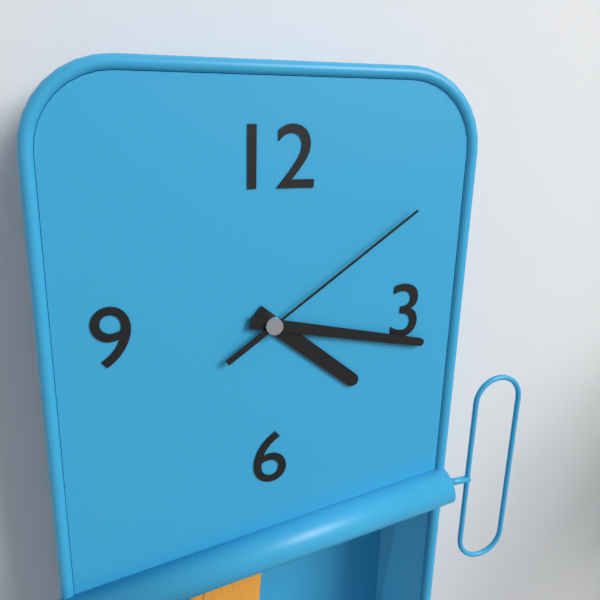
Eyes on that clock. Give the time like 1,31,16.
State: 4,17,09
